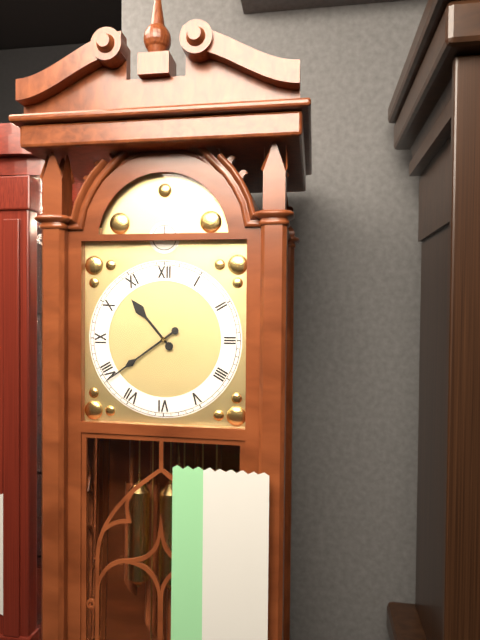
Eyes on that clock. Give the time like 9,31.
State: 10,39
